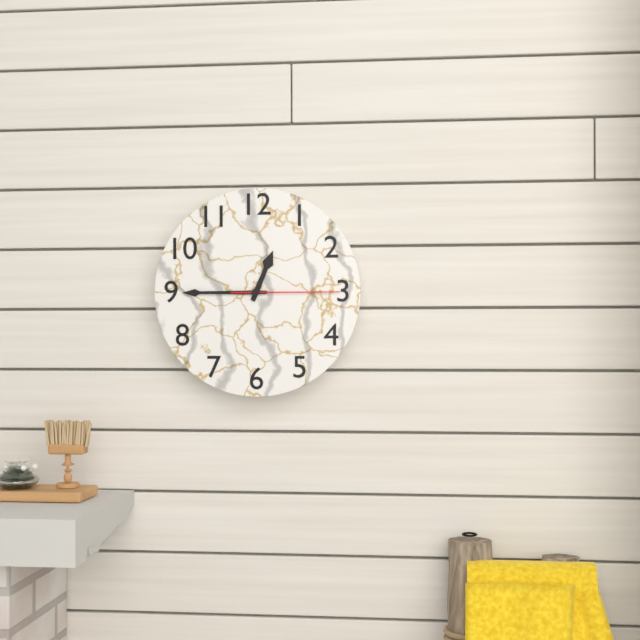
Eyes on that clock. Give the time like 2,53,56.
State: 12,45,15
